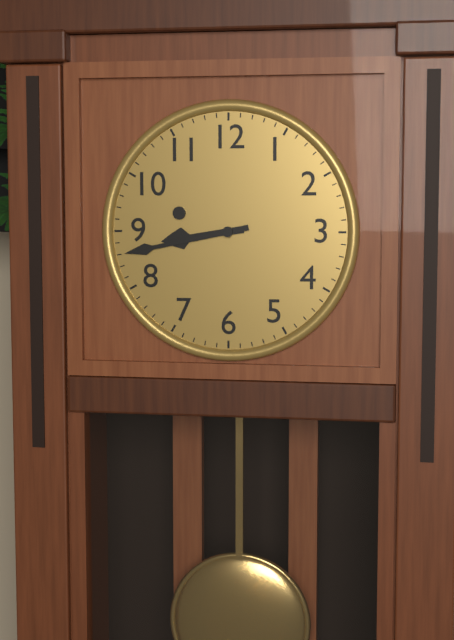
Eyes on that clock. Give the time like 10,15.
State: 8,43
